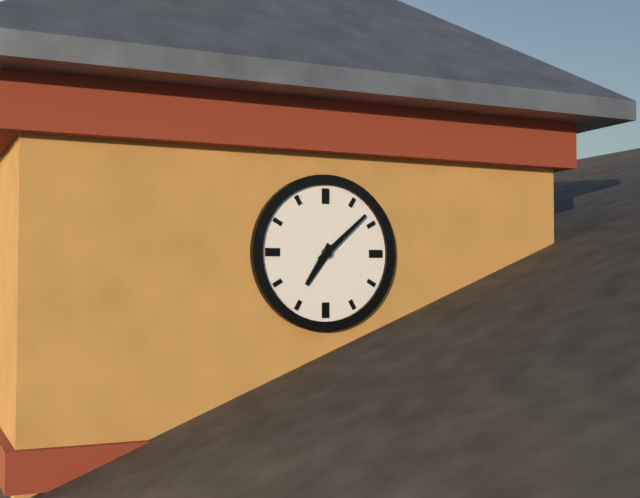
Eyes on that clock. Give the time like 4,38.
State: 7,08
